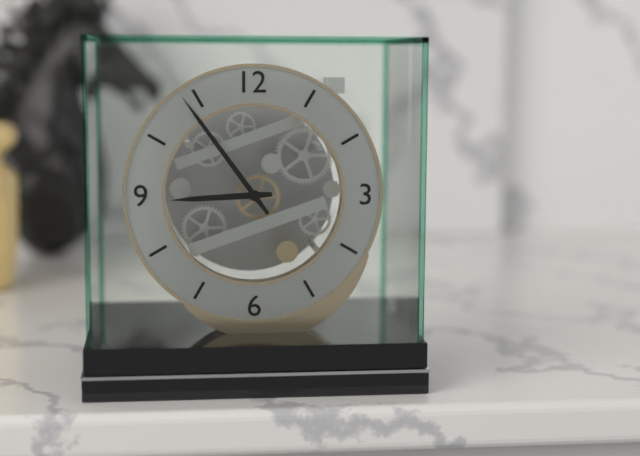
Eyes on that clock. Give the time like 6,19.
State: 8,54
